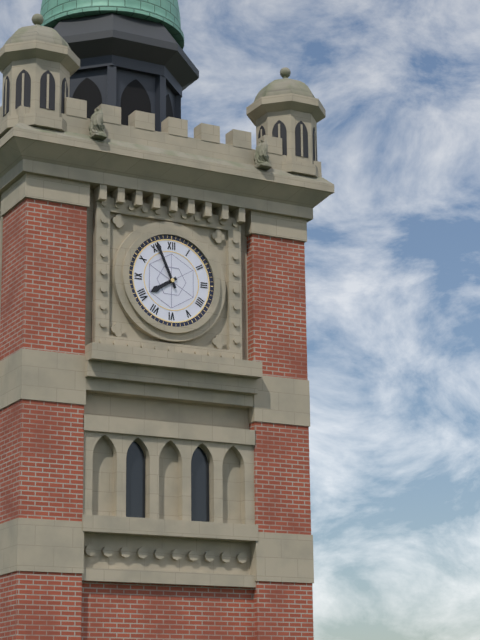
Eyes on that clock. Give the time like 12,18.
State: 7,56
